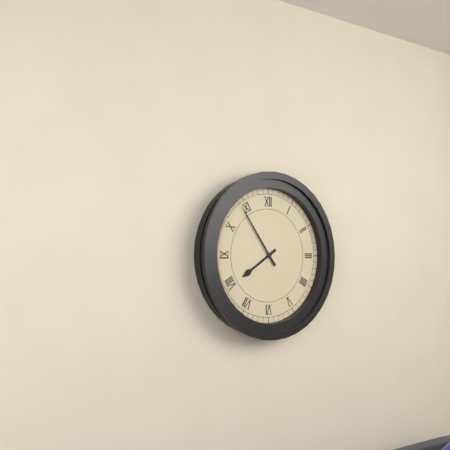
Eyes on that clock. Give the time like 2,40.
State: 7,54
